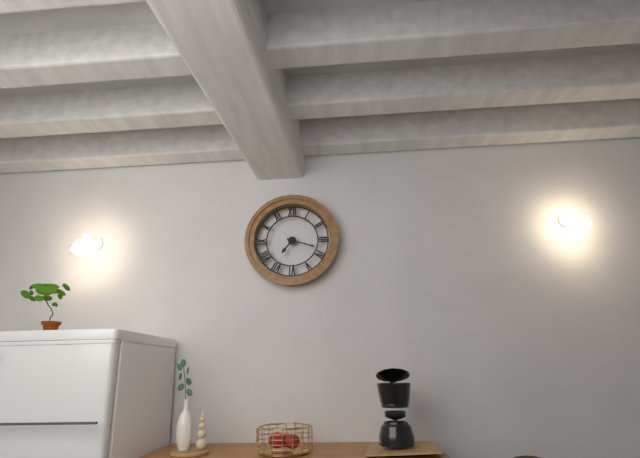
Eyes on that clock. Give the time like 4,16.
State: 7,18
